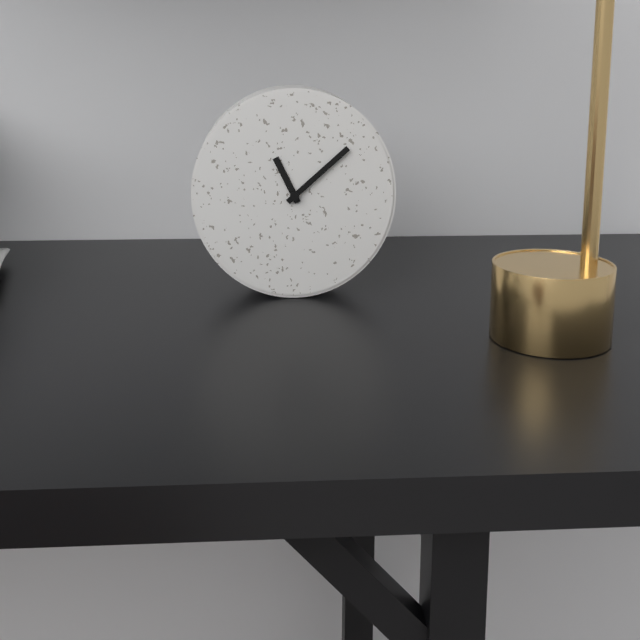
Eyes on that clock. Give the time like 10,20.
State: 11,08
